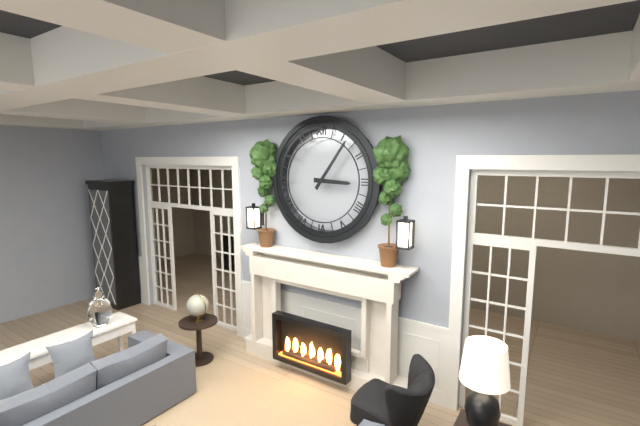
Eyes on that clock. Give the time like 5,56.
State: 3,06
